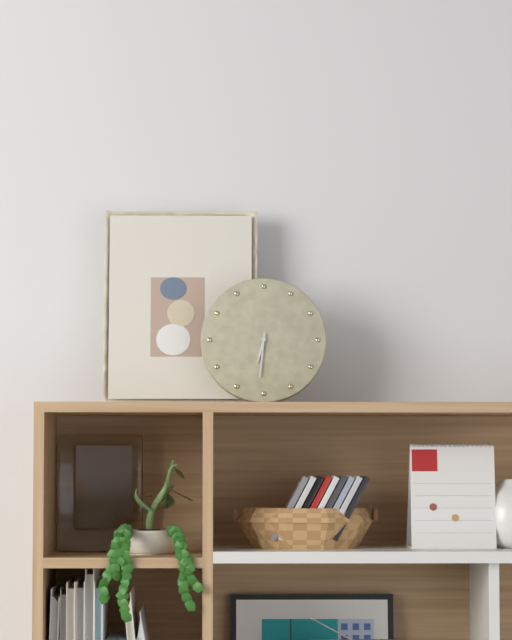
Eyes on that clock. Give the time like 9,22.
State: 6,31
